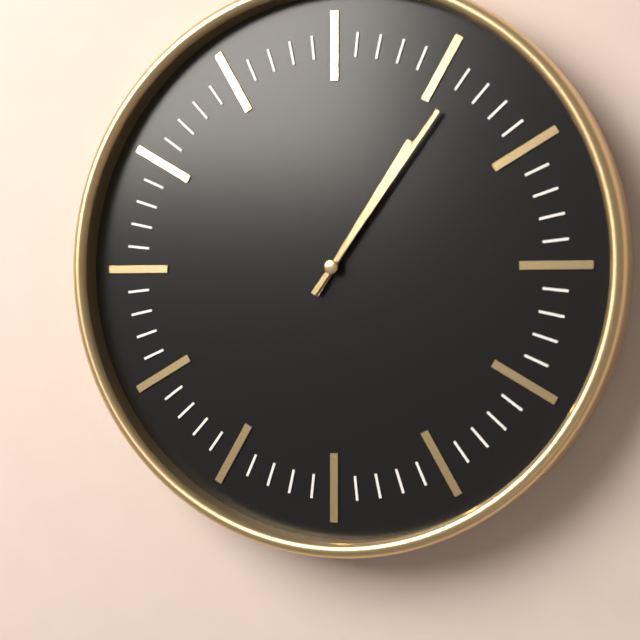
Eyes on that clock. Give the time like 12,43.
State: 1,06
